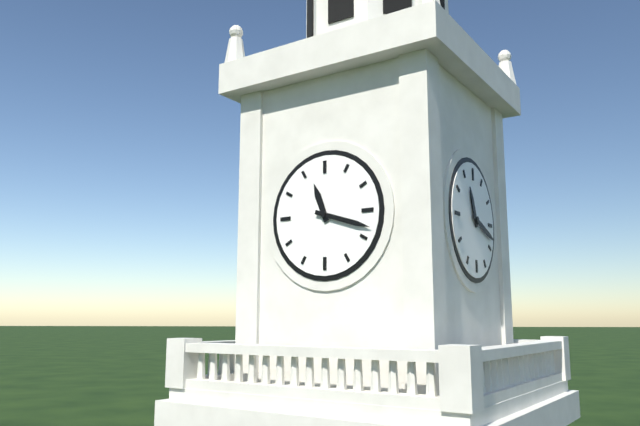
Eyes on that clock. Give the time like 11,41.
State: 11,18
